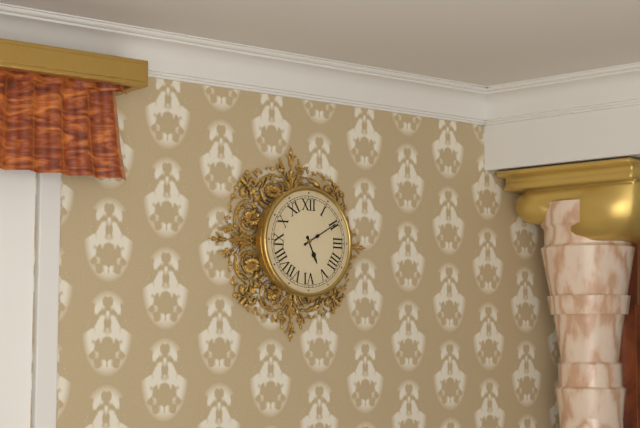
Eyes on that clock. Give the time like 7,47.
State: 5,10
